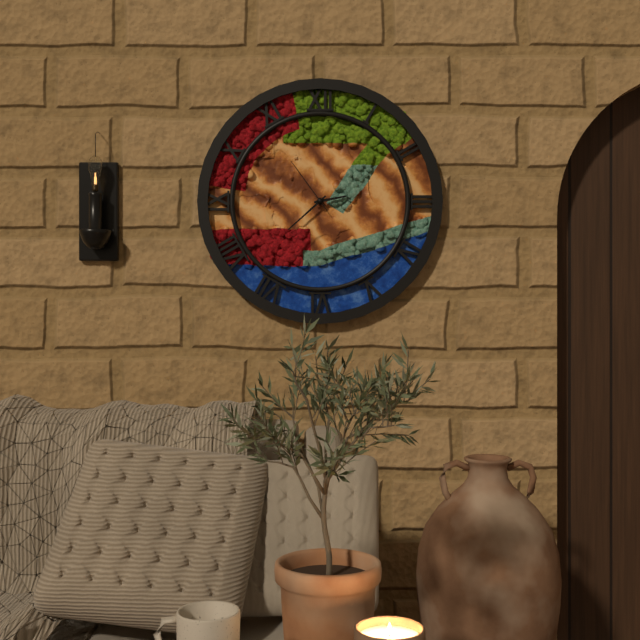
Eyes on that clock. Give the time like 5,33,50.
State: 2,38,54
